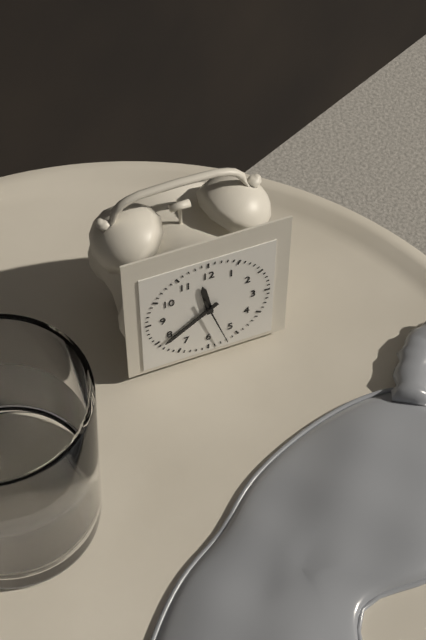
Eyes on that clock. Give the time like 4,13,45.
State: 11,39,27
